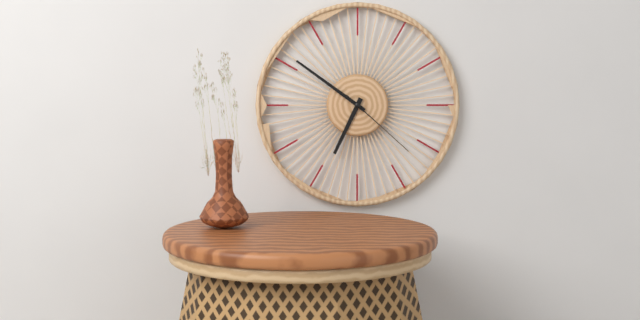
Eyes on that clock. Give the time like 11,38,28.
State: 6,51,22
